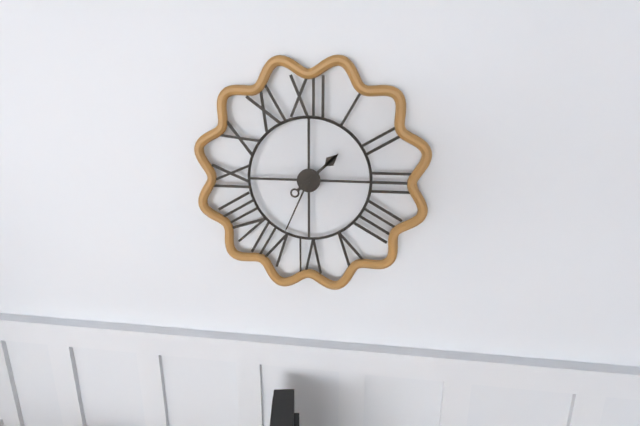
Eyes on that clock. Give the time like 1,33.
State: 1,34
